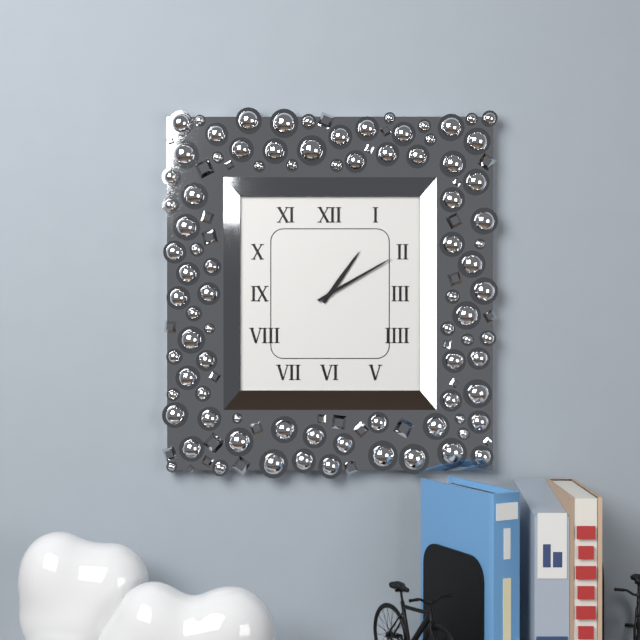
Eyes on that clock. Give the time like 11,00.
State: 1,10
